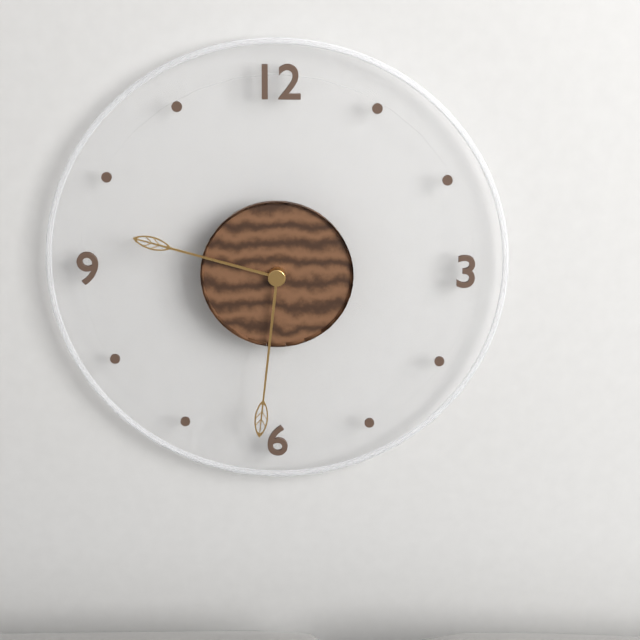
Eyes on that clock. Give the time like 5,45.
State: 9,31
